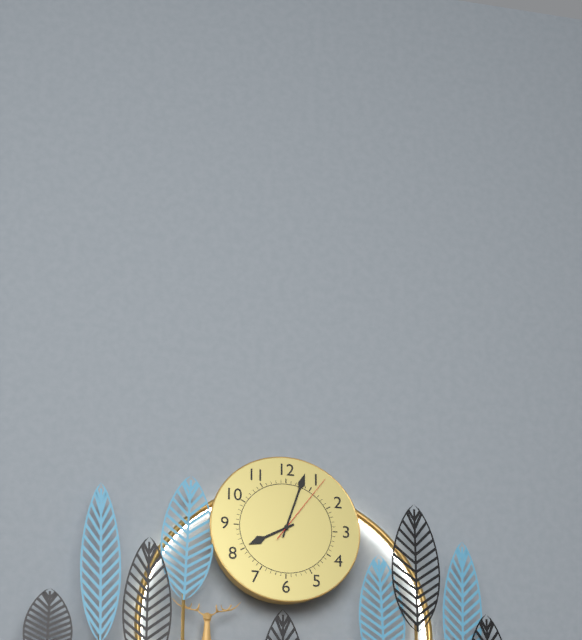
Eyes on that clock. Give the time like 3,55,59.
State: 8,03,06
